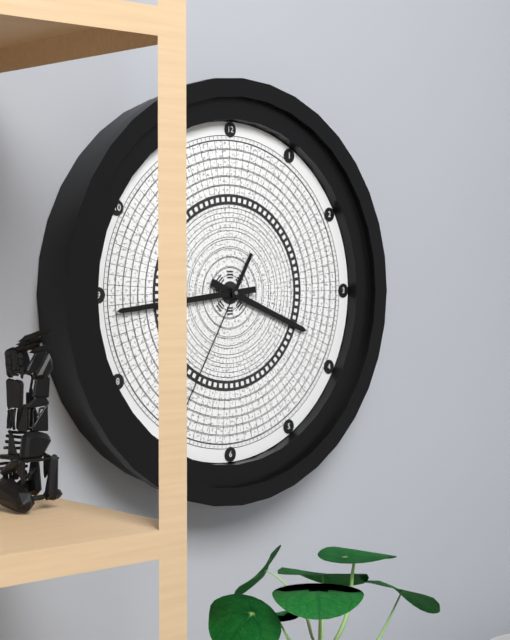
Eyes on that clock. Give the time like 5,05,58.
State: 3,44,35
